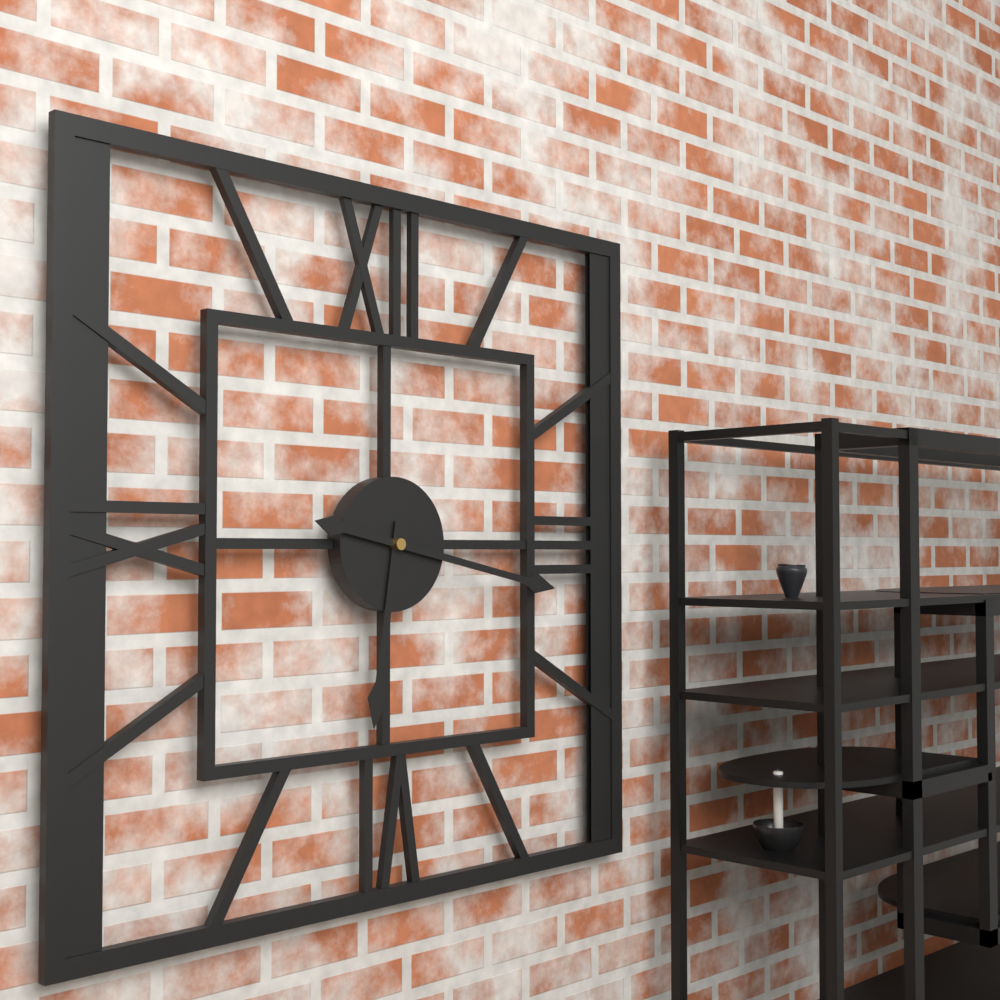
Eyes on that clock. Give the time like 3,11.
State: 6,17
